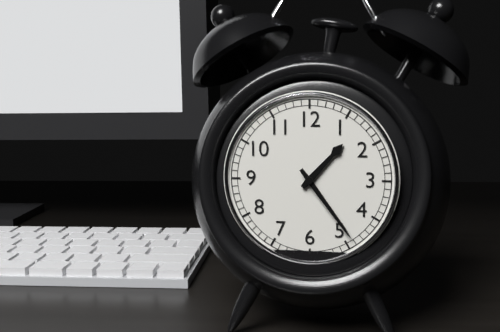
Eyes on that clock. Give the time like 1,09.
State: 1,24
